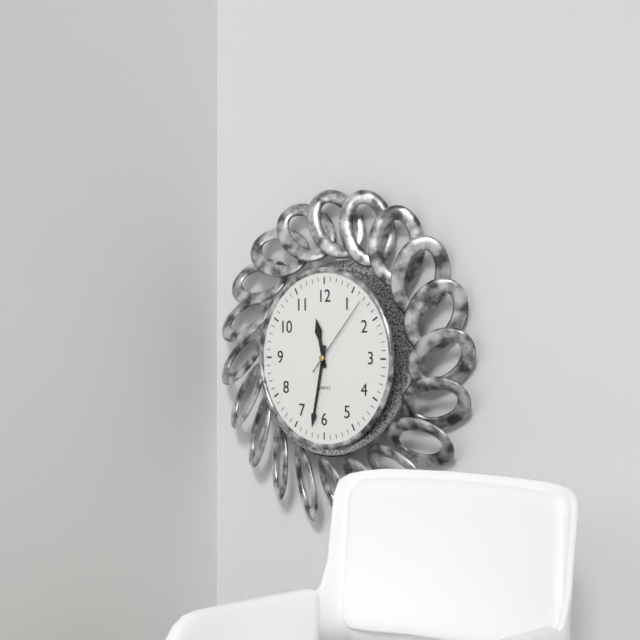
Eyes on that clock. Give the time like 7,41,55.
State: 11,32,07
